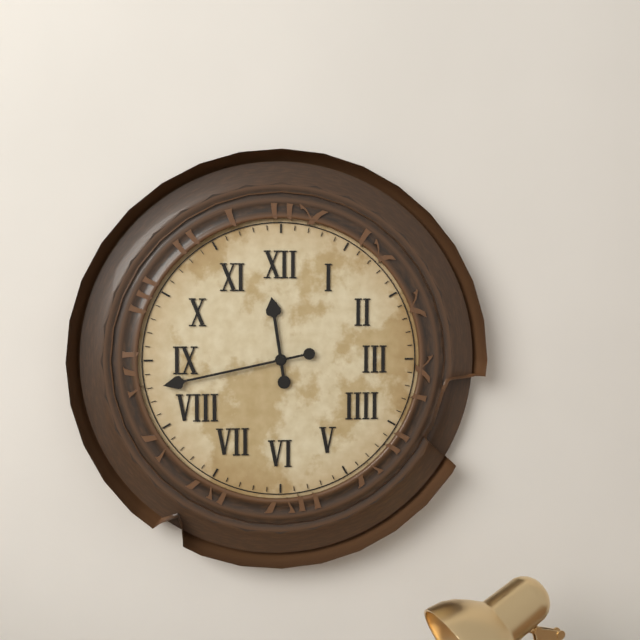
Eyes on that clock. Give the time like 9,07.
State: 11,43
